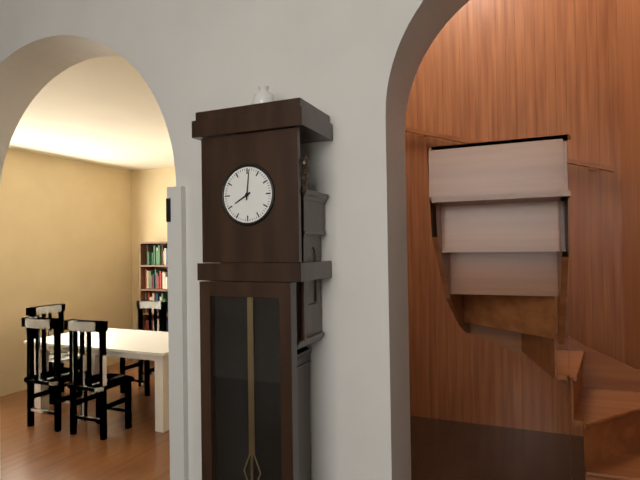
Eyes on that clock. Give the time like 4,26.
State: 8,01
